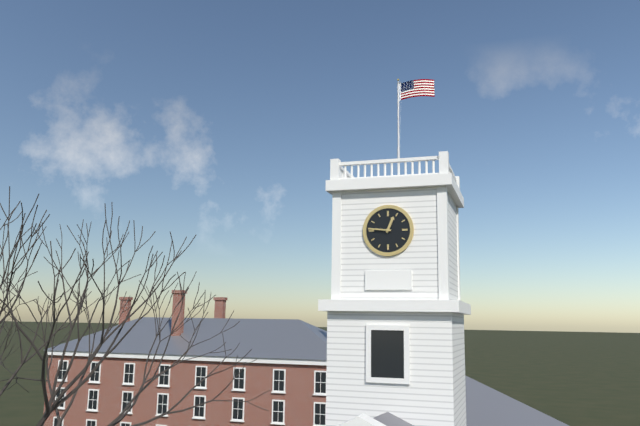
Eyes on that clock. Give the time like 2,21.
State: 12,46
